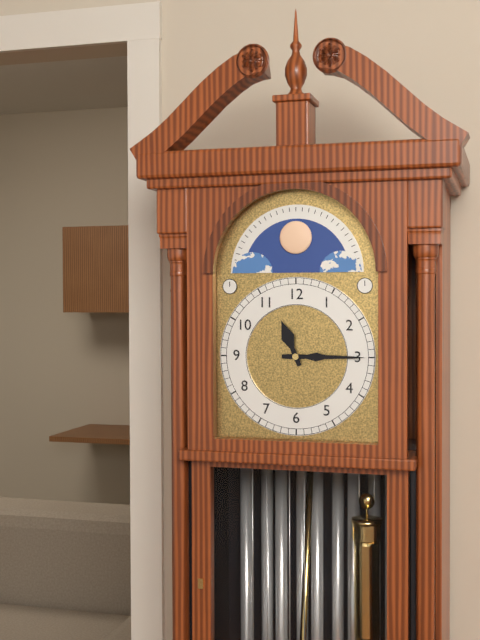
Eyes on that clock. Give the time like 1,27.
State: 11,15
